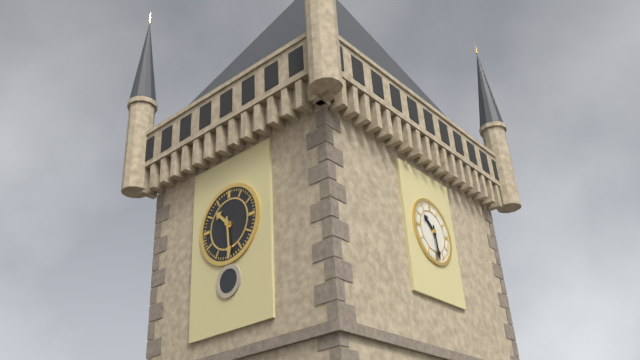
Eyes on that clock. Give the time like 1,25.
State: 10,29
